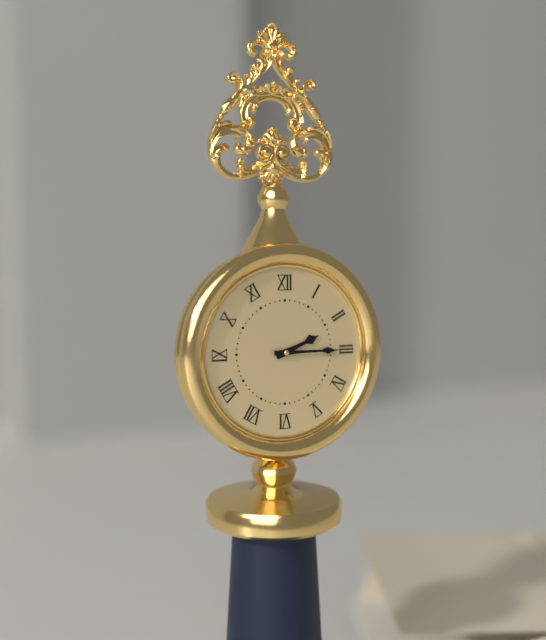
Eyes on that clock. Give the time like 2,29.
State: 2,15
